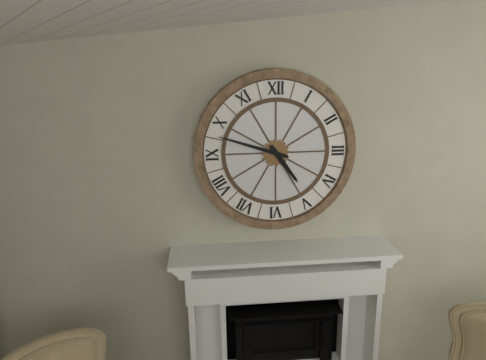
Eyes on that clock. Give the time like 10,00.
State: 4,48
